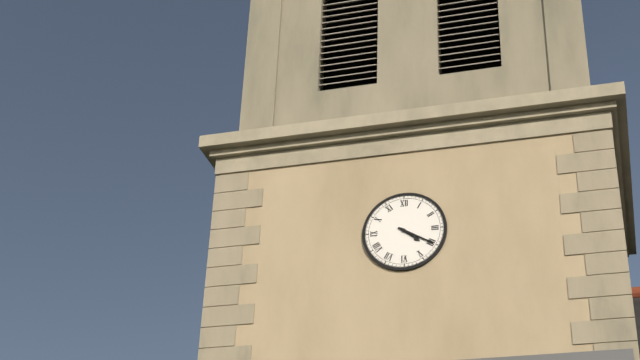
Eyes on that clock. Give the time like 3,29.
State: 4,20
